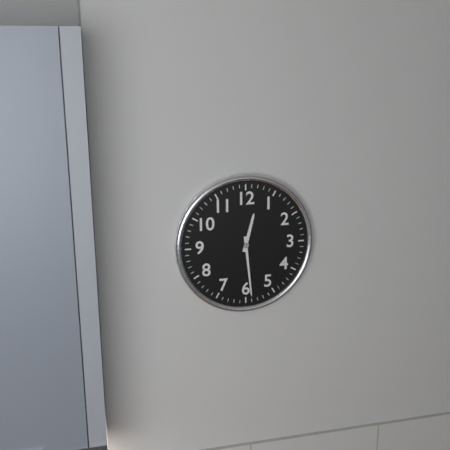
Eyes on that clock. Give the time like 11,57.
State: 12,29
